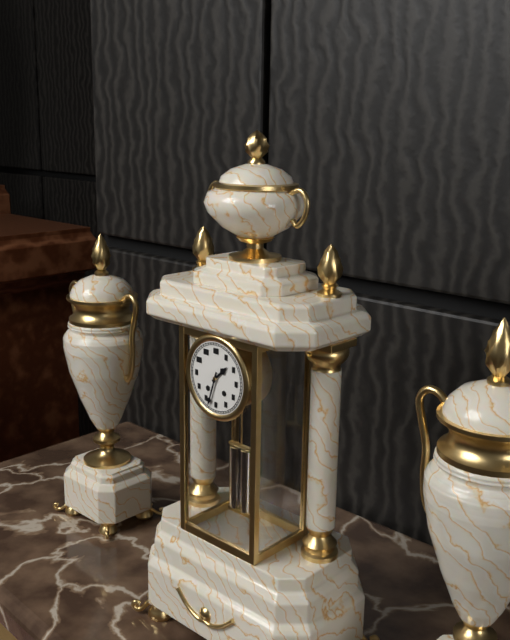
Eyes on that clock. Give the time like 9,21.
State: 1,33
